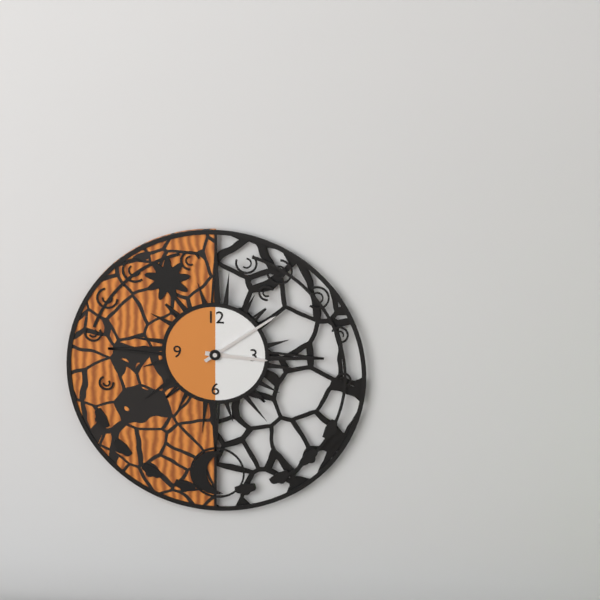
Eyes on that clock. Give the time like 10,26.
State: 3,09
